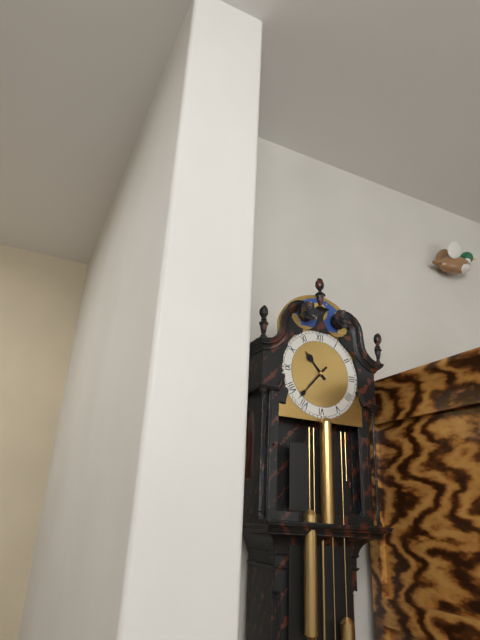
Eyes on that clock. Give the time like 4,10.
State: 10,37
